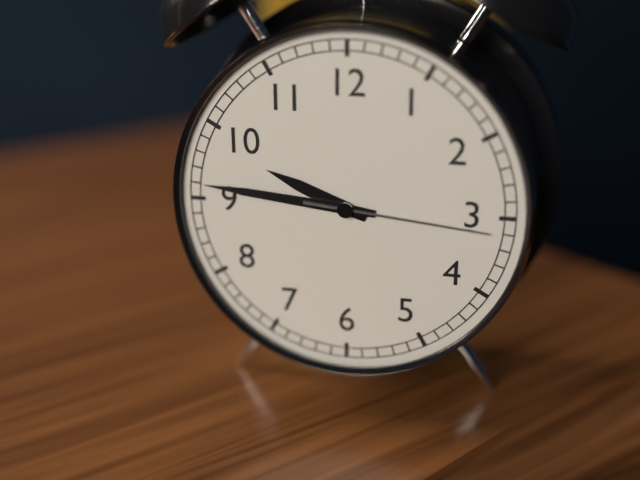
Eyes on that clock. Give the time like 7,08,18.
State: 9,46,16
